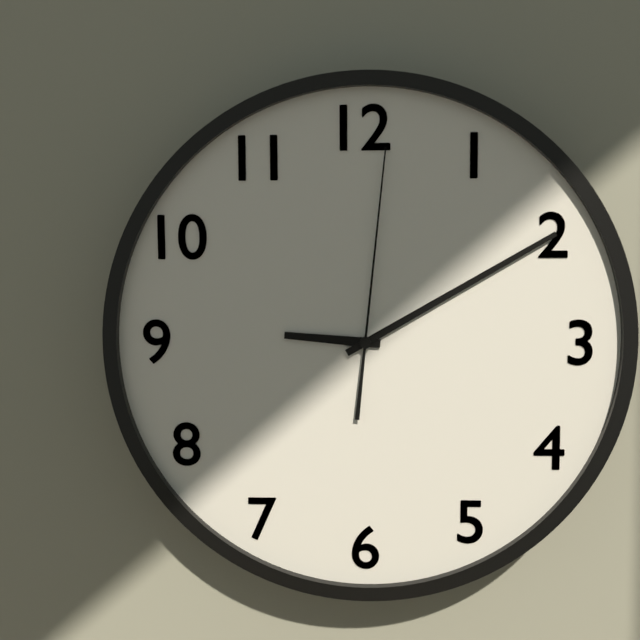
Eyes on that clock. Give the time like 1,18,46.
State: 9,10,01
